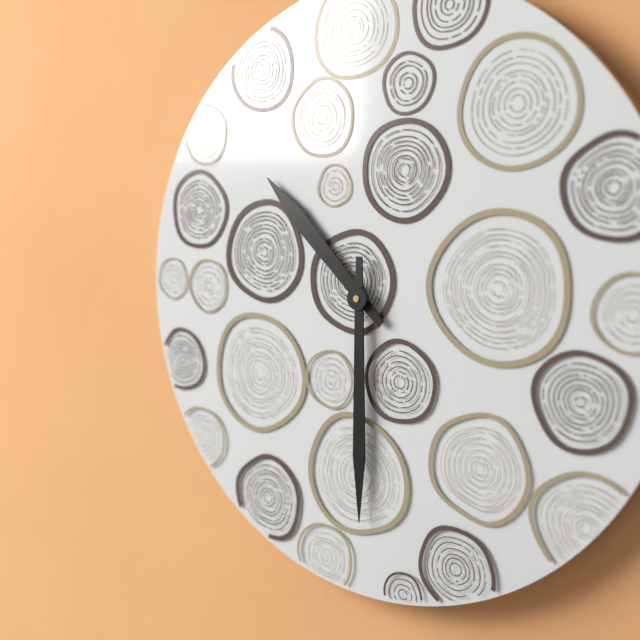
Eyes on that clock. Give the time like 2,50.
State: 10,30
